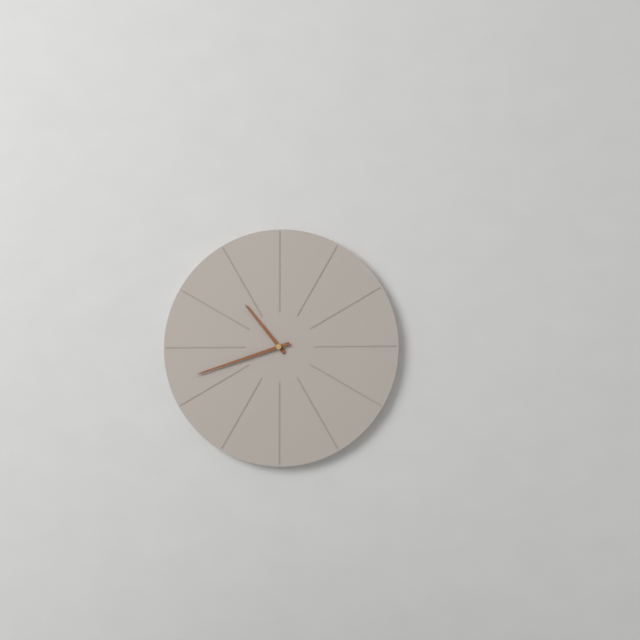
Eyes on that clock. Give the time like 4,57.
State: 10,42
